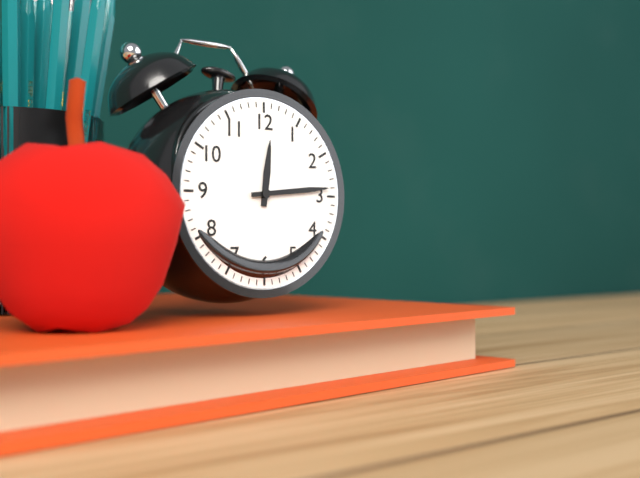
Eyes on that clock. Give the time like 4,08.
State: 12,14
